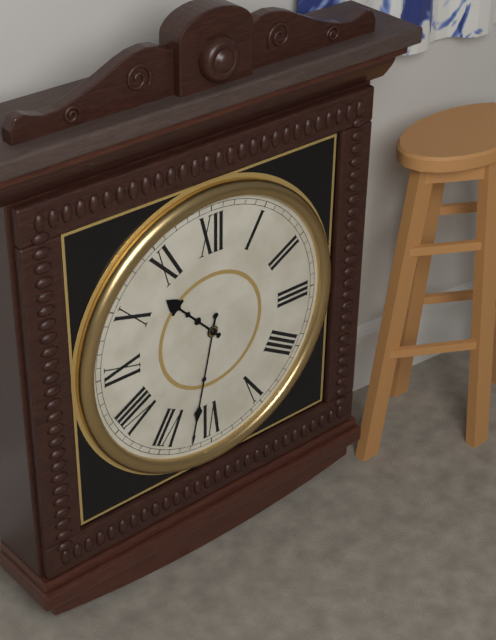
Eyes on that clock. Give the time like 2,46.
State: 10,32
